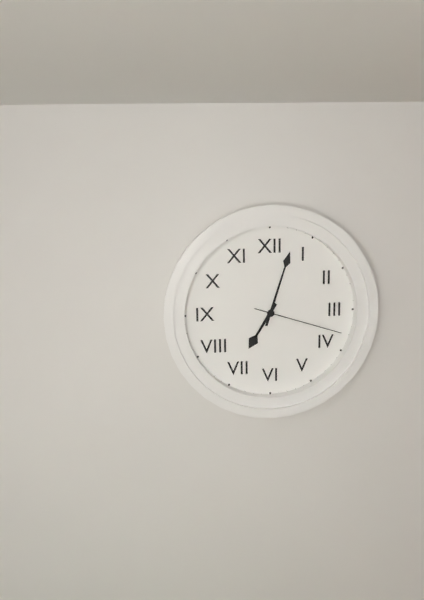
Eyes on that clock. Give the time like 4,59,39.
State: 7,03,18
